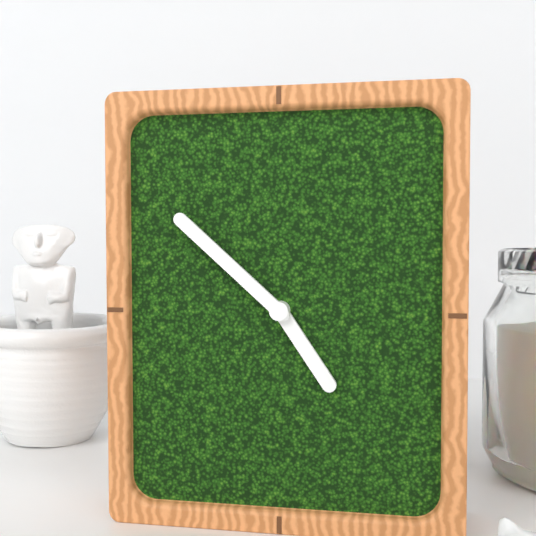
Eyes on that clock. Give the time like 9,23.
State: 4,52
